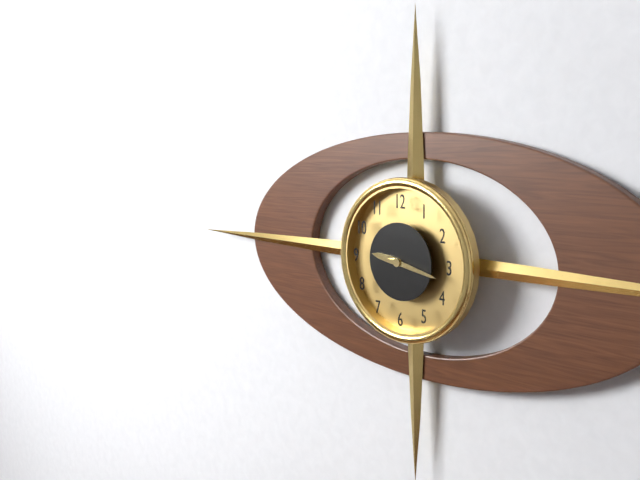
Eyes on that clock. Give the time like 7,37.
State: 9,17
